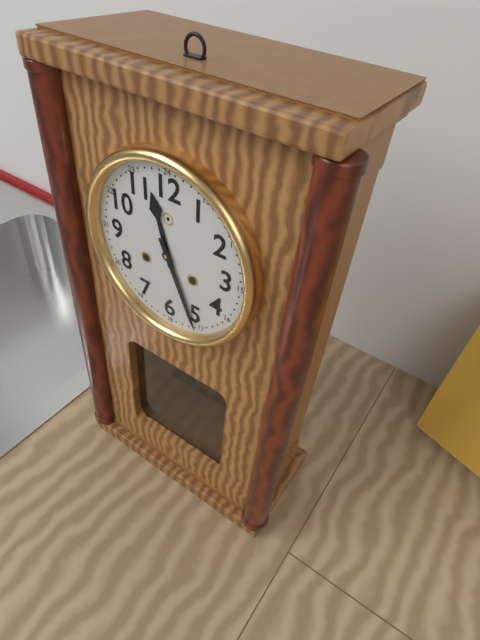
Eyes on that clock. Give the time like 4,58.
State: 11,26
